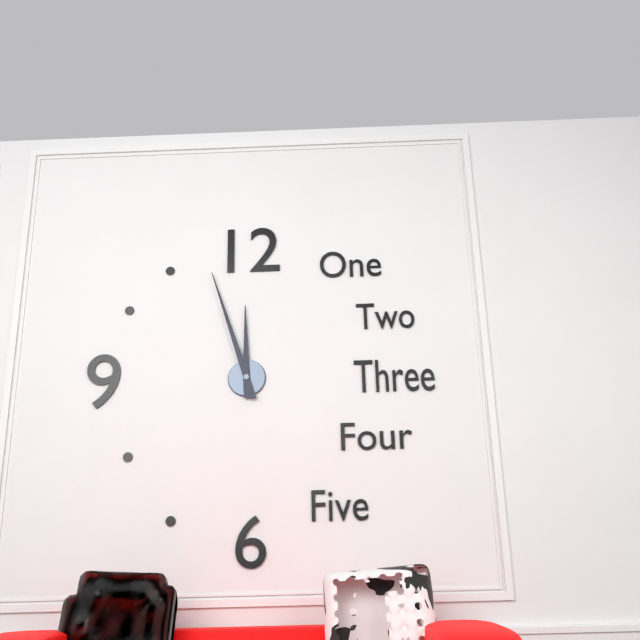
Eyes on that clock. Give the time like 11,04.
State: 11,57
